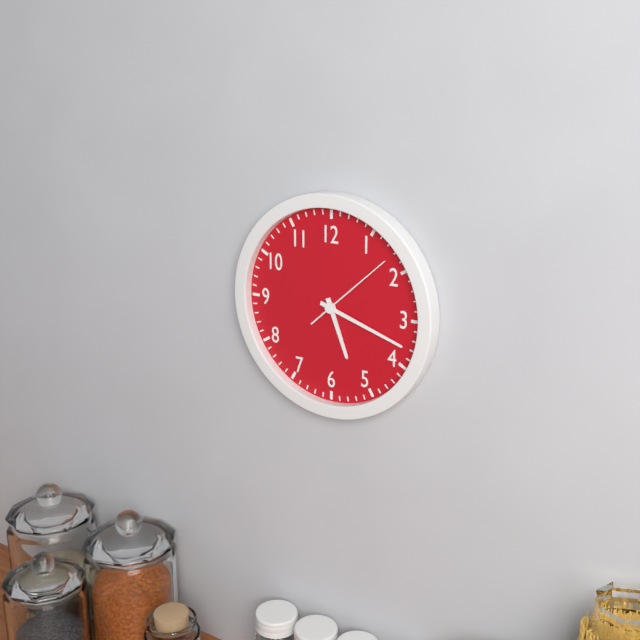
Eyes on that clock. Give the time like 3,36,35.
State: 5,18,08
